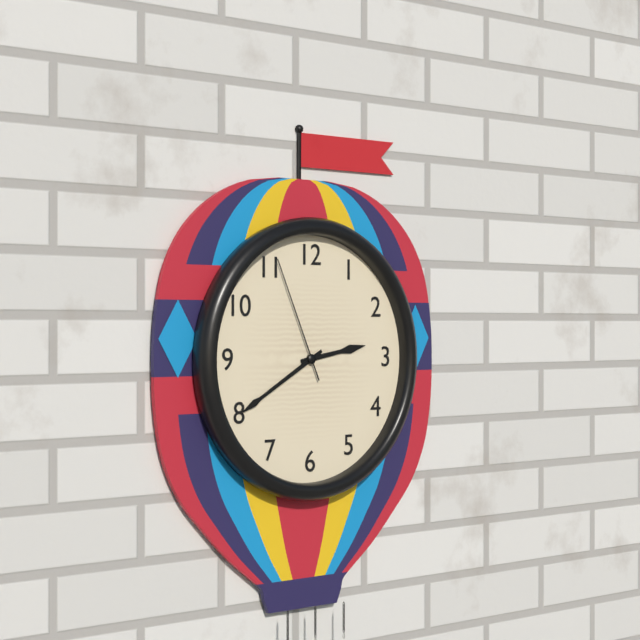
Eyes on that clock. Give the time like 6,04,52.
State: 2,40,56
